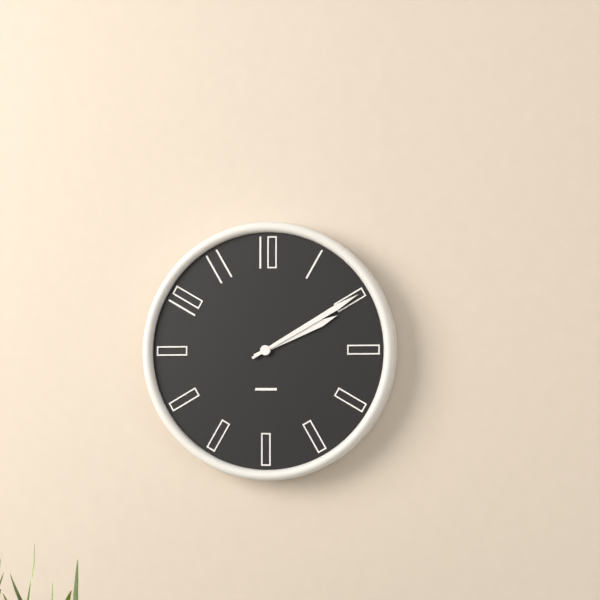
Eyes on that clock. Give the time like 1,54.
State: 2,10
